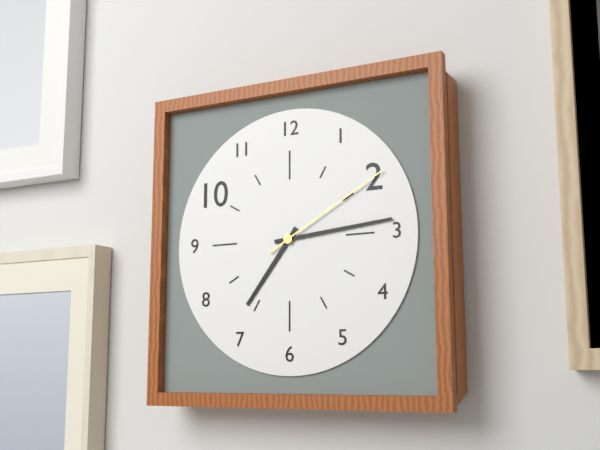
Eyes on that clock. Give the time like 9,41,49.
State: 7,14,10
